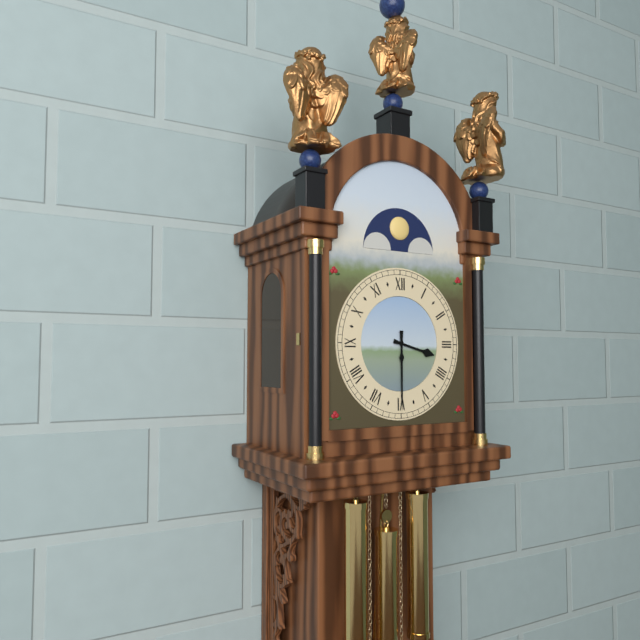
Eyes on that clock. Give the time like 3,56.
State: 3,30
